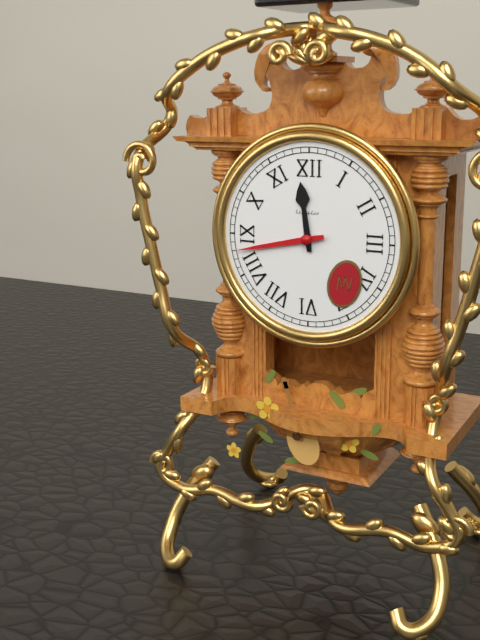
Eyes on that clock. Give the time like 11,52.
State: 11,43
